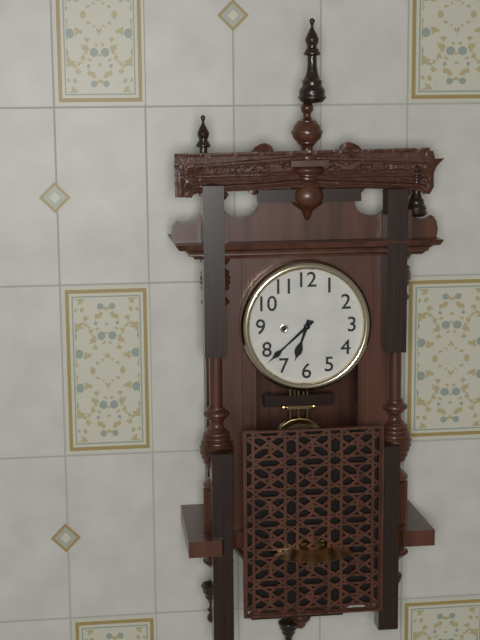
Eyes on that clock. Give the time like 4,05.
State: 6,38
